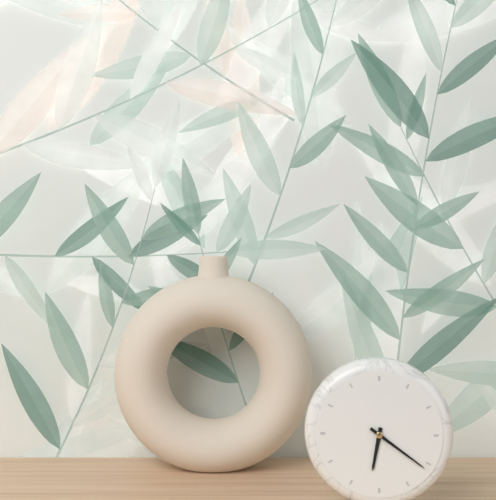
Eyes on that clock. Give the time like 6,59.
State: 6,21
